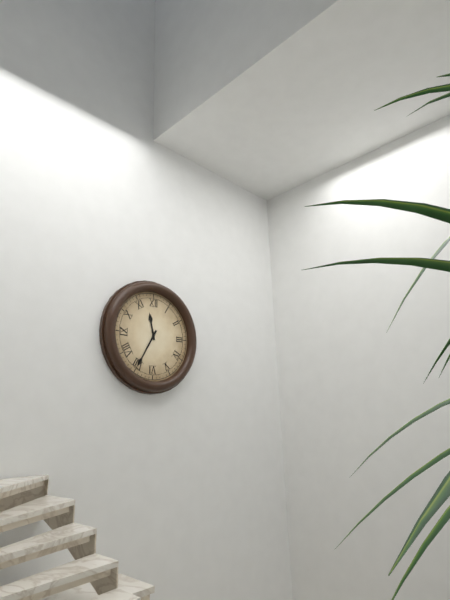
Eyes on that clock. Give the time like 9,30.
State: 11,35
